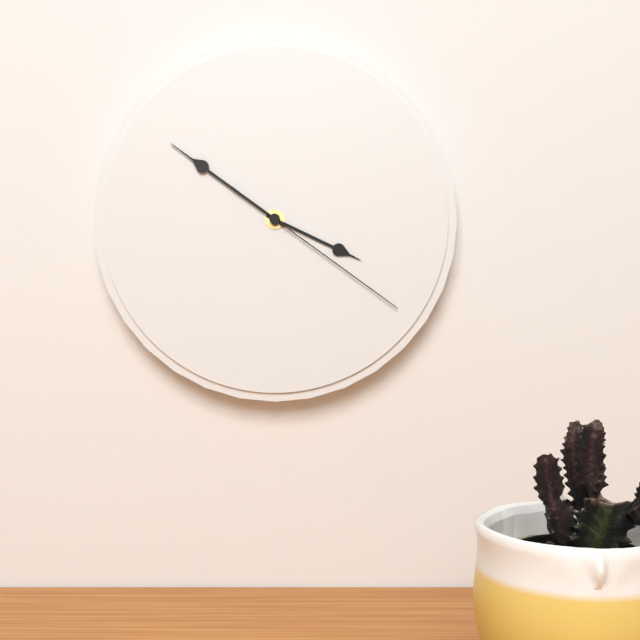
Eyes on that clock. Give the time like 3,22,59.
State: 3,51,21
